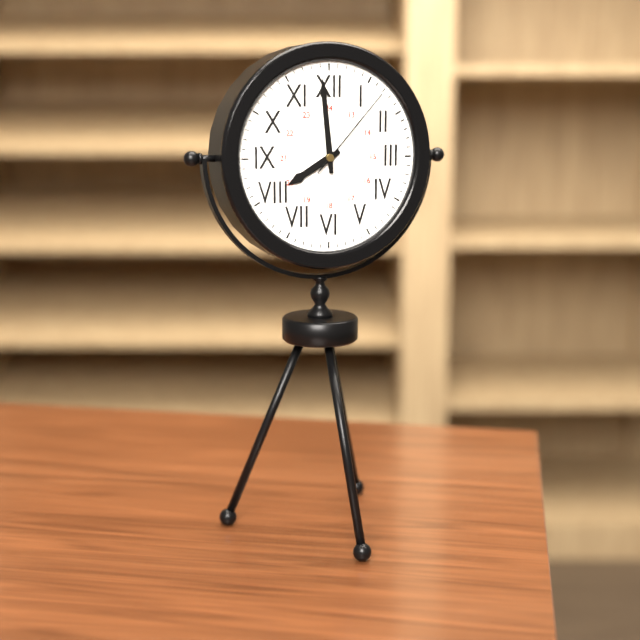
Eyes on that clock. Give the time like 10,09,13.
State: 7,59,07
